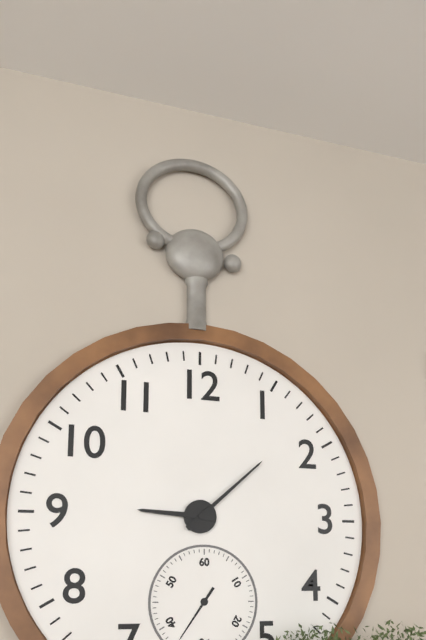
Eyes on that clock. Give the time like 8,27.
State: 9,08
